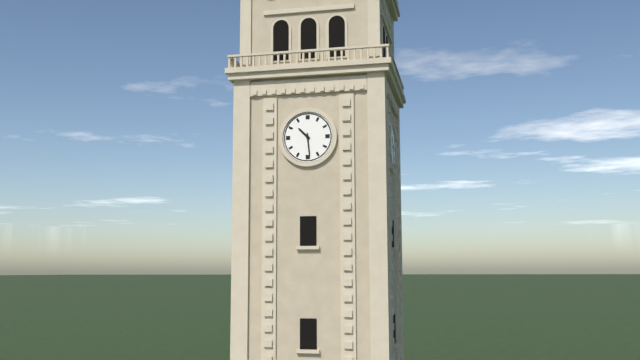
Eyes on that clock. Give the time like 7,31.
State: 10,29
